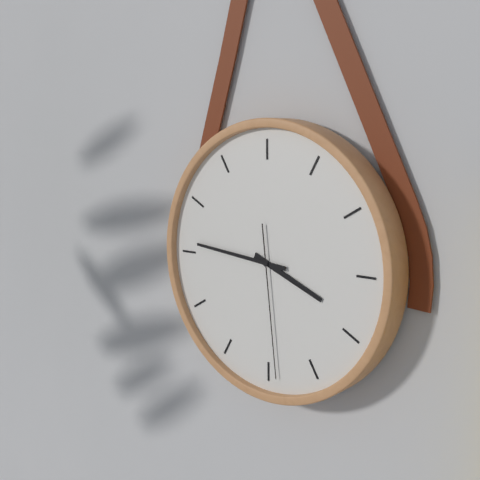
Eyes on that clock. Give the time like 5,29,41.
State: 3,46,29
